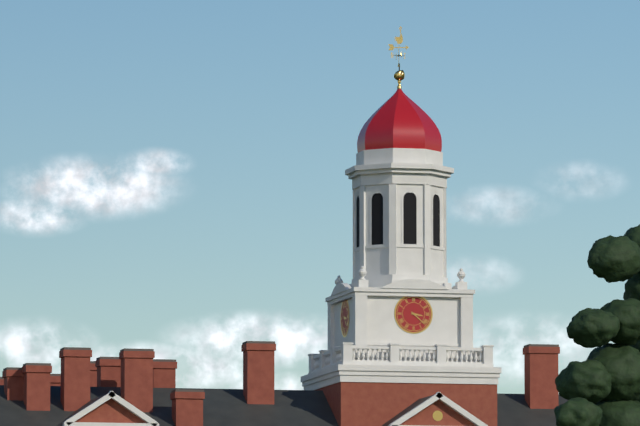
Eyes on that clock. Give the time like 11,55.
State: 3,22
